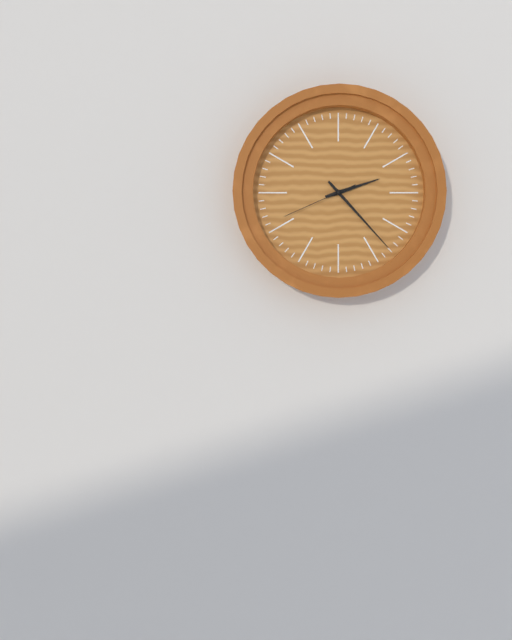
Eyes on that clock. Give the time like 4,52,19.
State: 2,23,41
